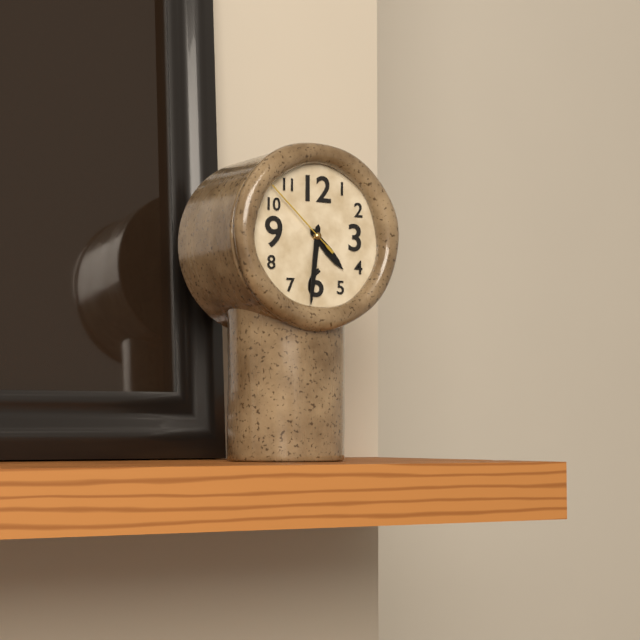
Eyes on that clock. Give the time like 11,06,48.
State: 4,31,52
